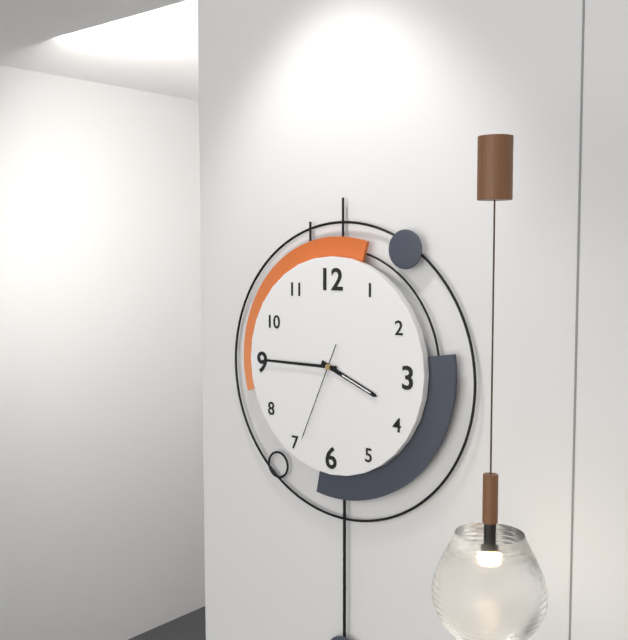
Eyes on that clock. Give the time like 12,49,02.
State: 3,45,34
